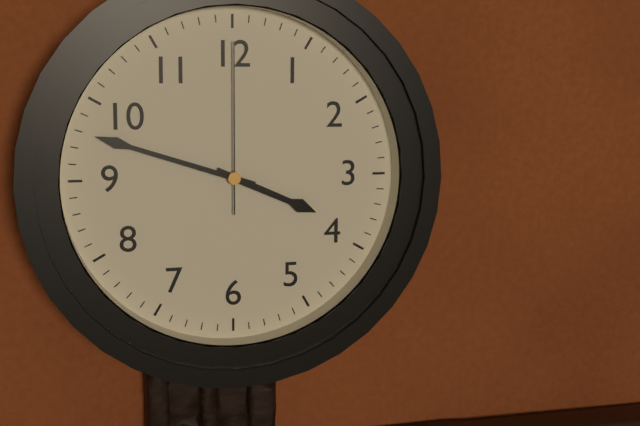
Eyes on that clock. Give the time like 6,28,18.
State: 3,48,00
